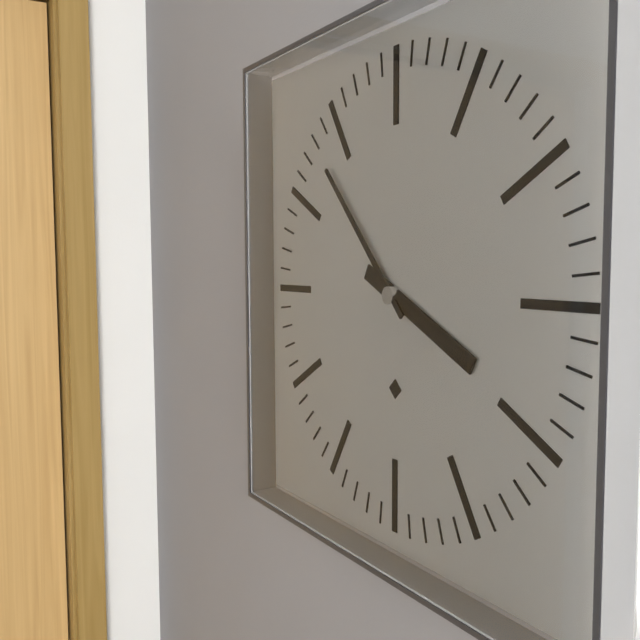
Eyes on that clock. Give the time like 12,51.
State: 3,53
